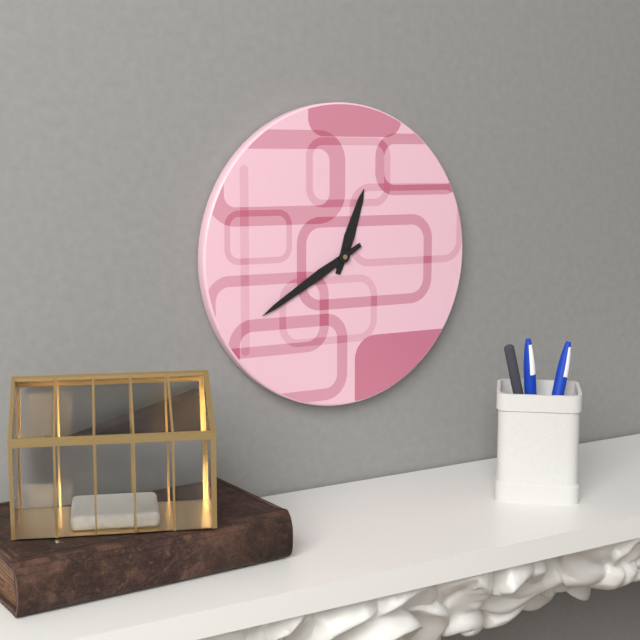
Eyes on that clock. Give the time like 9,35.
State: 12,40
